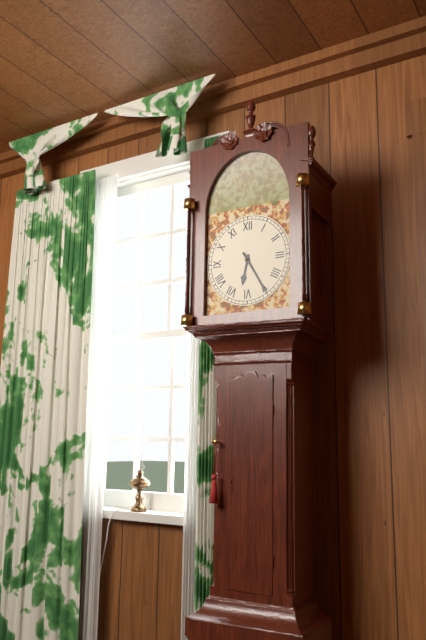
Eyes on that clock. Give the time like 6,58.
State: 6,25
